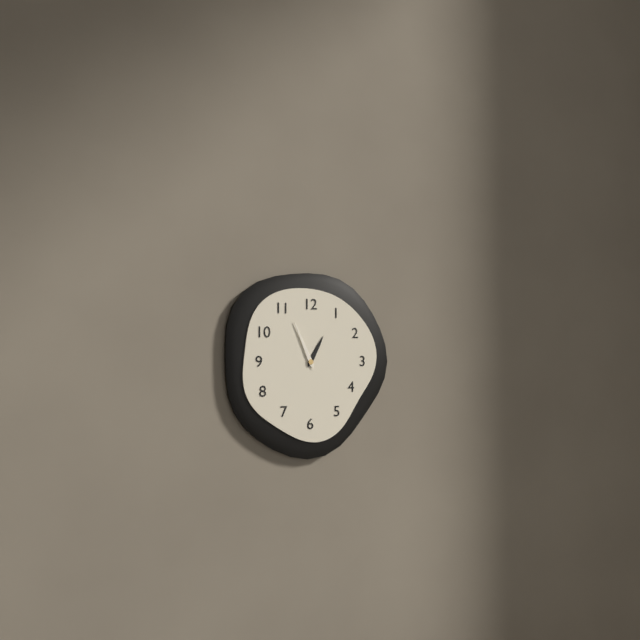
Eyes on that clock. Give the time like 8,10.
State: 12,56
